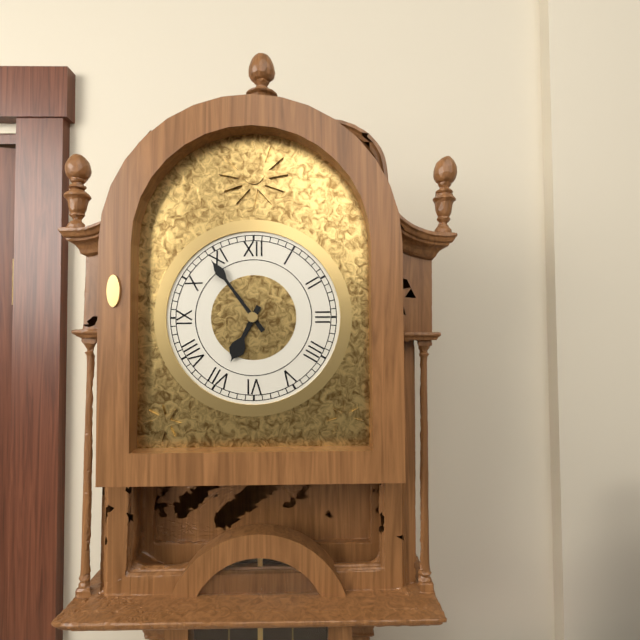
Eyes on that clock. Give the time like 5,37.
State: 6,54
